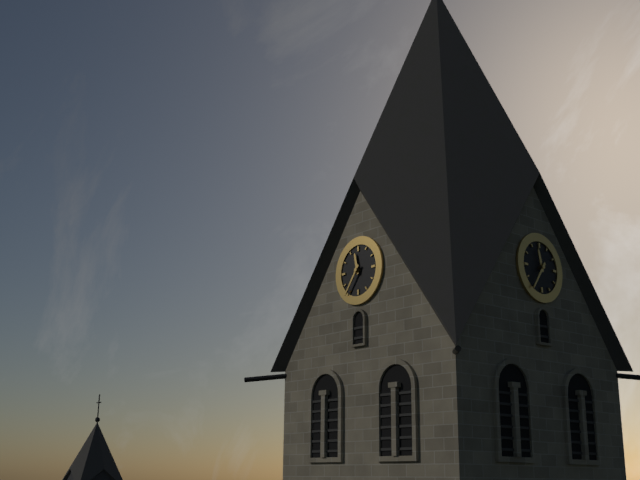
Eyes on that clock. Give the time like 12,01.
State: 11,36
